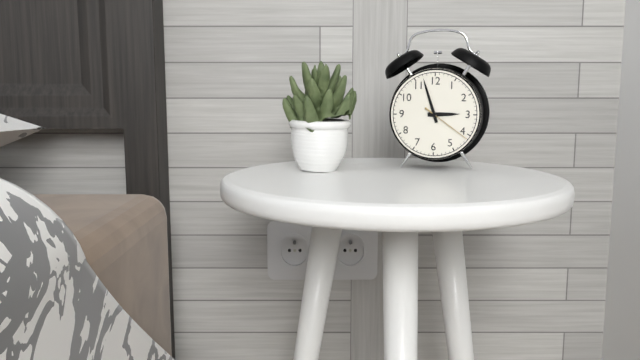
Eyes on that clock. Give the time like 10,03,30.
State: 2,57,21
